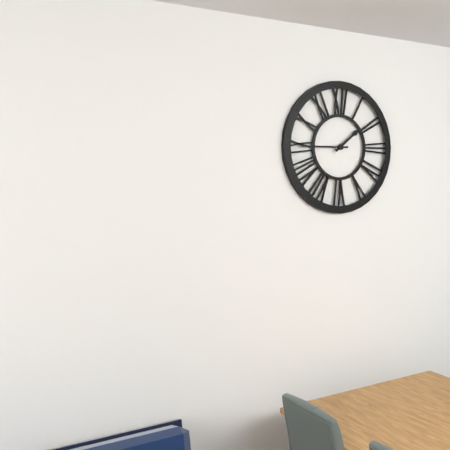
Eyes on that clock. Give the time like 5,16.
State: 1,45
